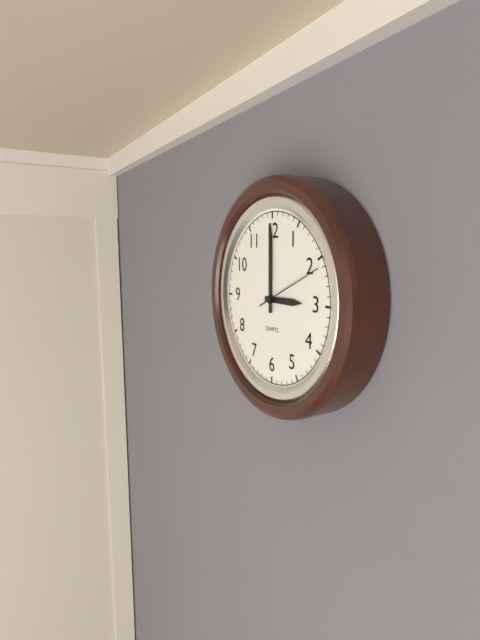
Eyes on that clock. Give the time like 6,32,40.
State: 3,00,11
